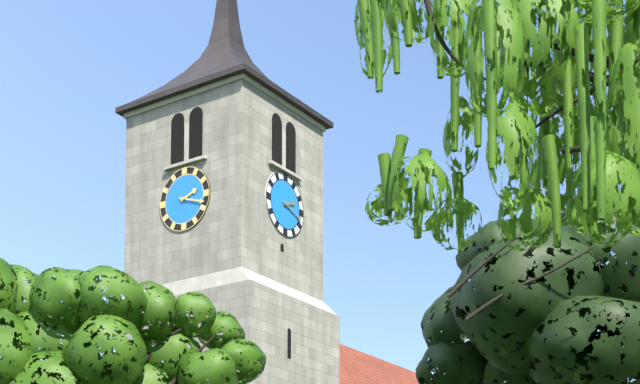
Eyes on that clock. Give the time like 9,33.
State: 2,18
